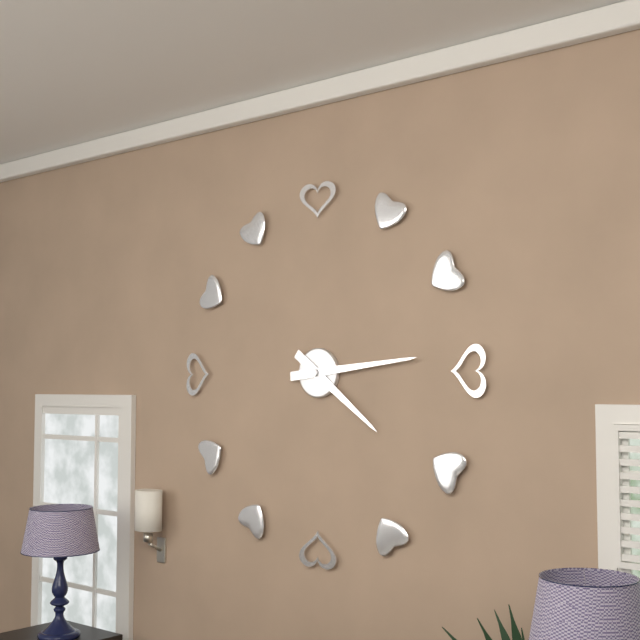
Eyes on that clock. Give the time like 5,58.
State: 4,14
